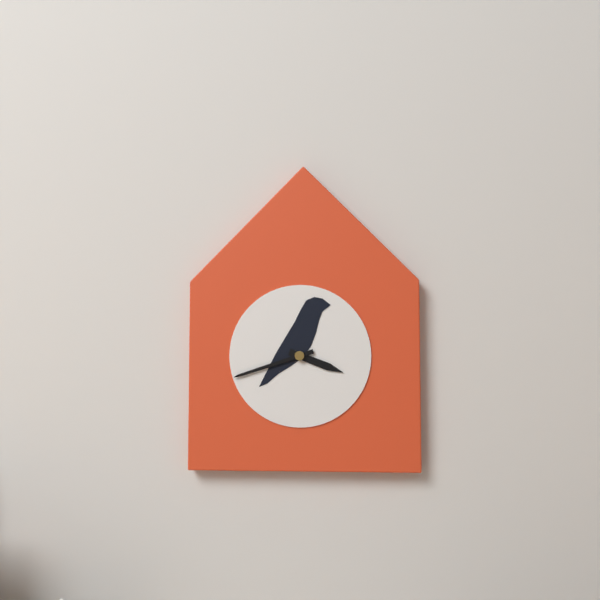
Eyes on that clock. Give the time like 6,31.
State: 3,42
